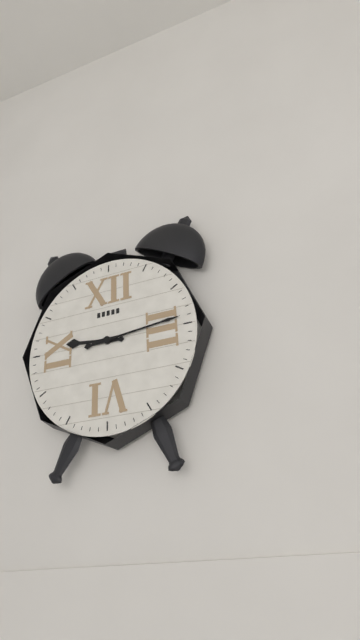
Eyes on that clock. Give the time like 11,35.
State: 9,14
